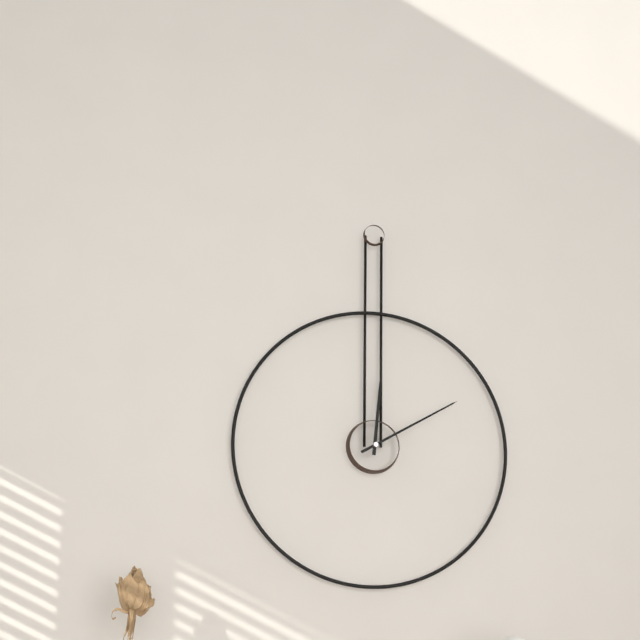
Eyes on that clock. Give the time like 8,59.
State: 12,10
